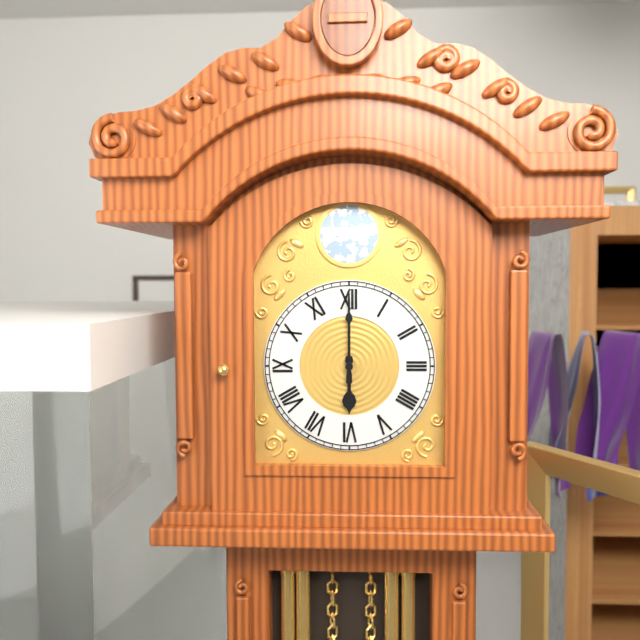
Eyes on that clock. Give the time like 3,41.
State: 6,00
